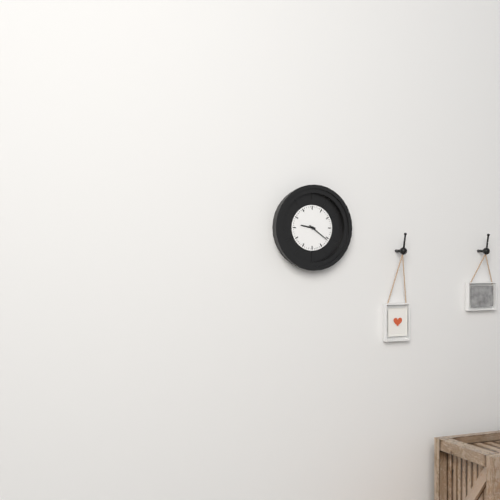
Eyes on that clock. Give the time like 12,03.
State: 9,21
